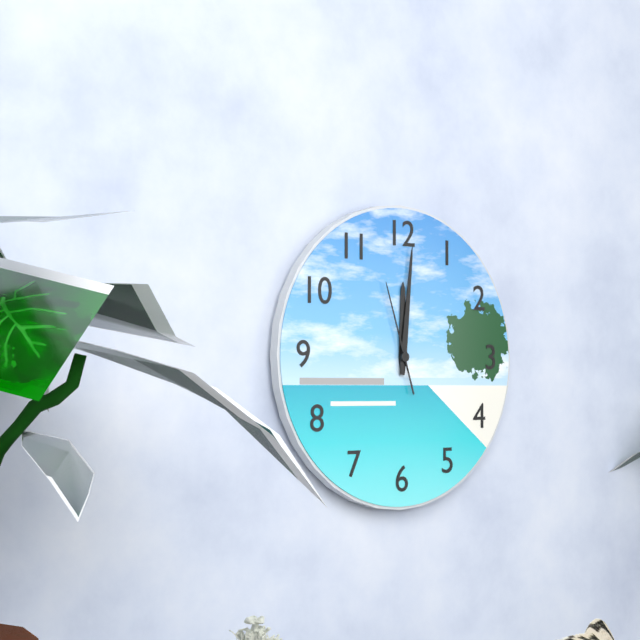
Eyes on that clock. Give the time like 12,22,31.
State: 12,01,57
